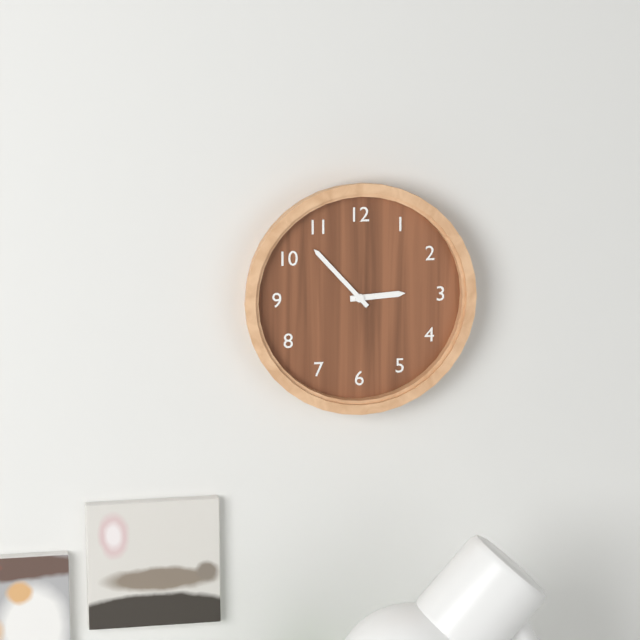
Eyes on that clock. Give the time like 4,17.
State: 2,53
